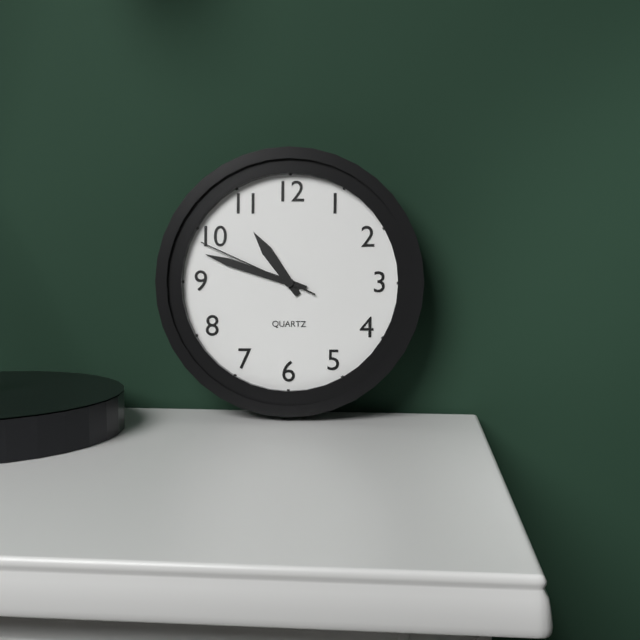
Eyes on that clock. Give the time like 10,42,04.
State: 10,48,49
